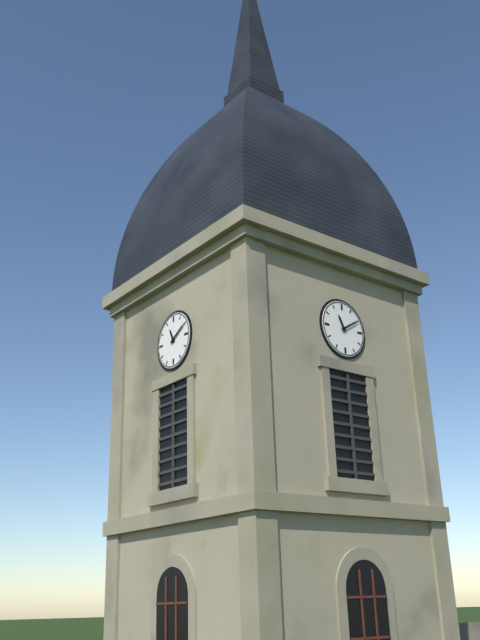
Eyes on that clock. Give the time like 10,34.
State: 11,10
